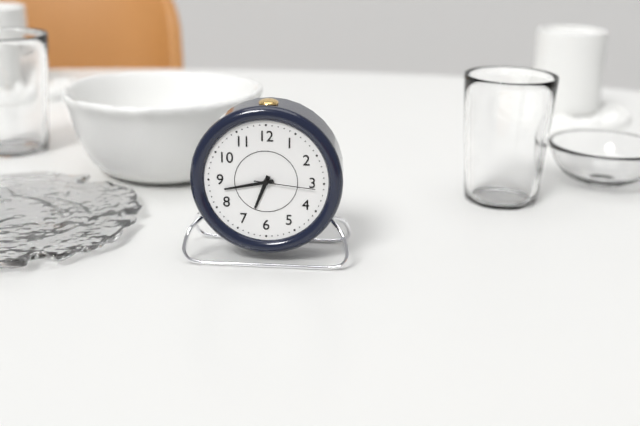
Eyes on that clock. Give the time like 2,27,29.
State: 6,43,16
